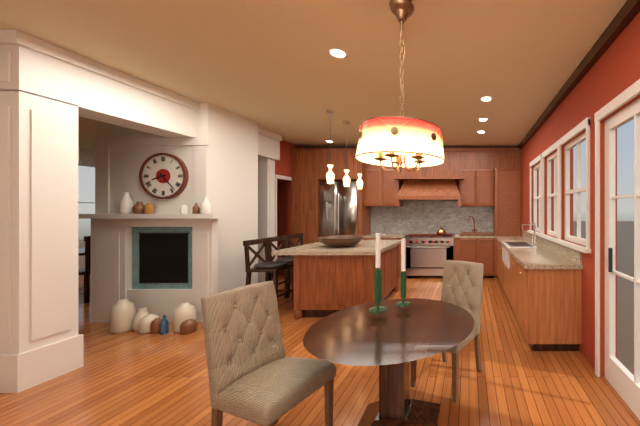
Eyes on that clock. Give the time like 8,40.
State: 8,23
